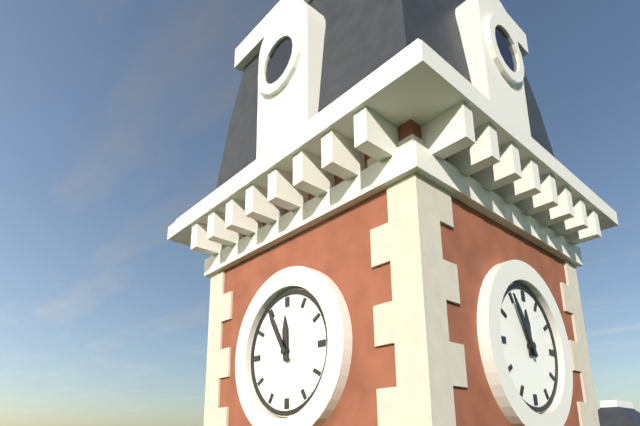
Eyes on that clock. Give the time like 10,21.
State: 11,55
